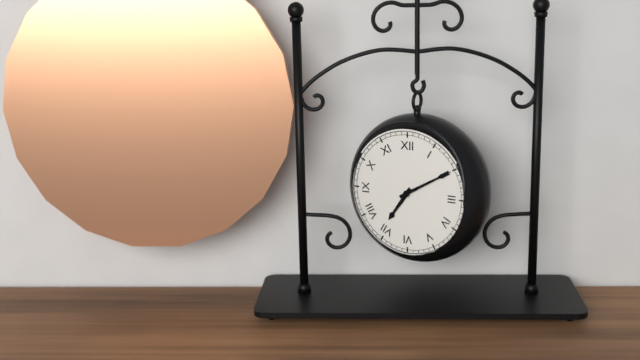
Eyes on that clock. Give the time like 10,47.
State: 7,10
